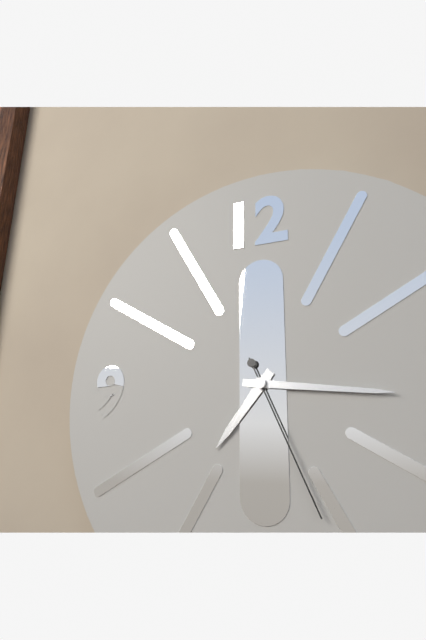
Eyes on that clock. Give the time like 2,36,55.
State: 7,16,26
